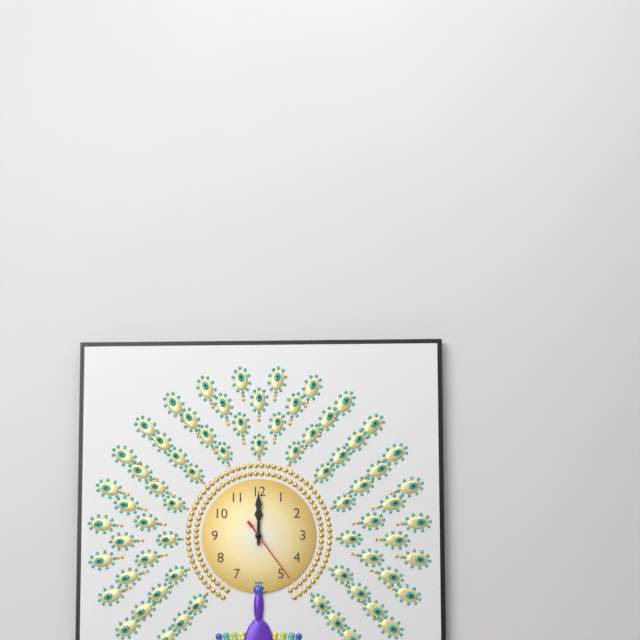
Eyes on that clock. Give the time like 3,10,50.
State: 12,00,24
